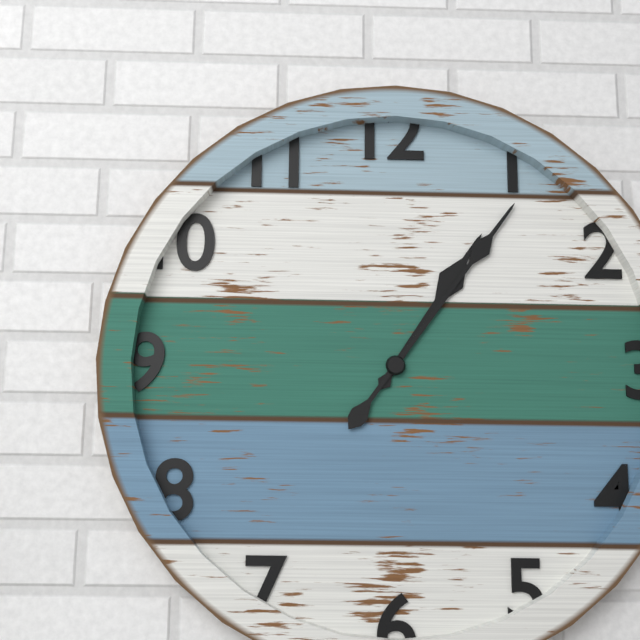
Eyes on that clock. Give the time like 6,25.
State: 1,06
